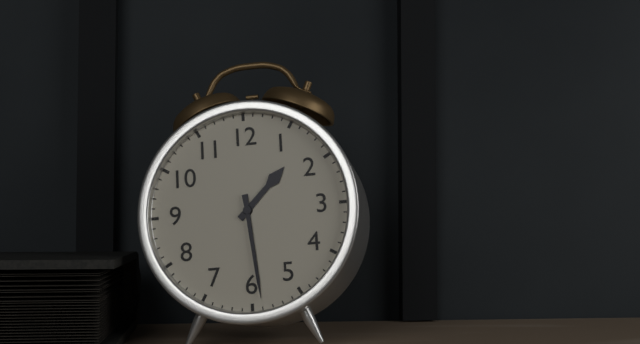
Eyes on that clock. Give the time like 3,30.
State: 1,29
